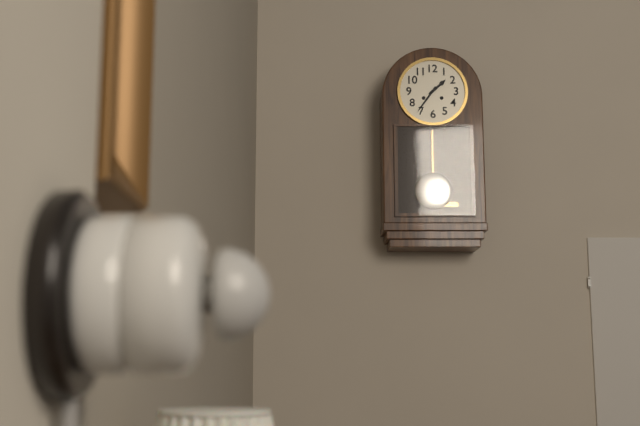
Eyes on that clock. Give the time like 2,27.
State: 1,36
